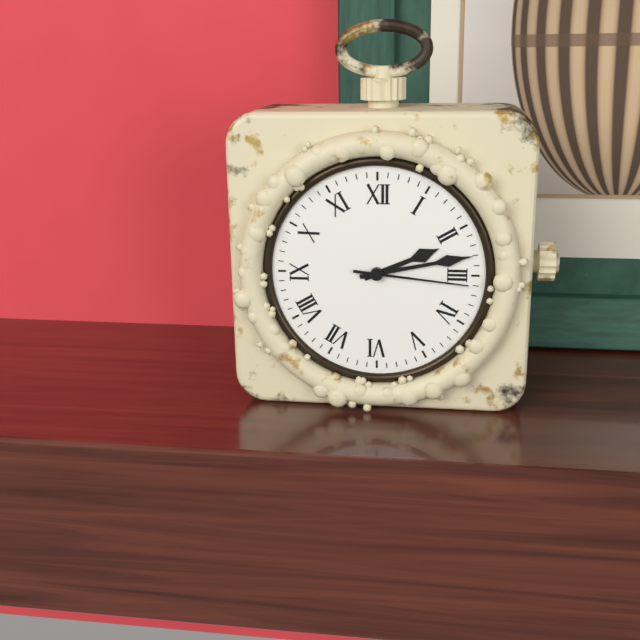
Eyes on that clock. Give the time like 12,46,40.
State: 2,13,16
